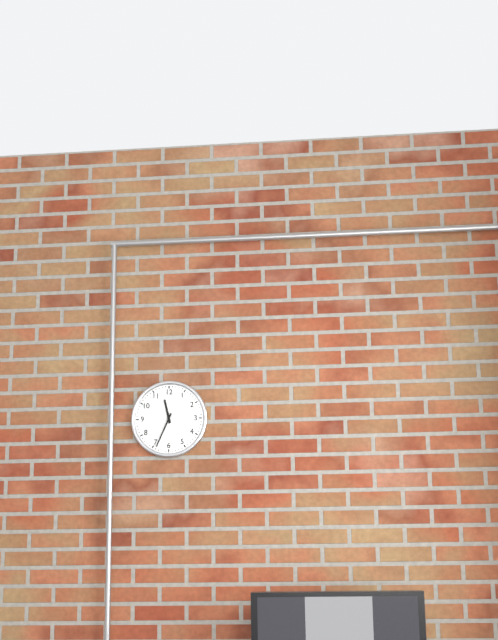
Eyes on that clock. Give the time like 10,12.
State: 11,34
